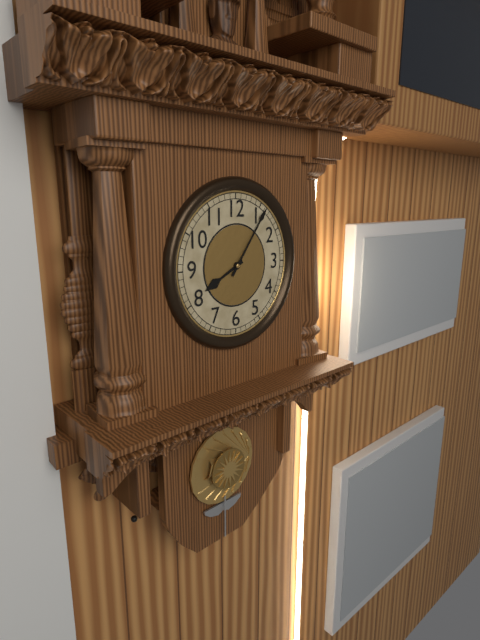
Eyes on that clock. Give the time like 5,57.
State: 8,06
